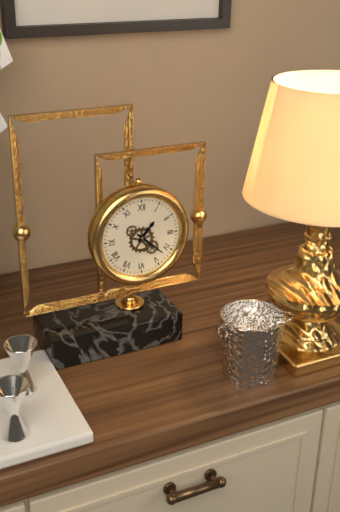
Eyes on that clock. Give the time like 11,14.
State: 1,22
